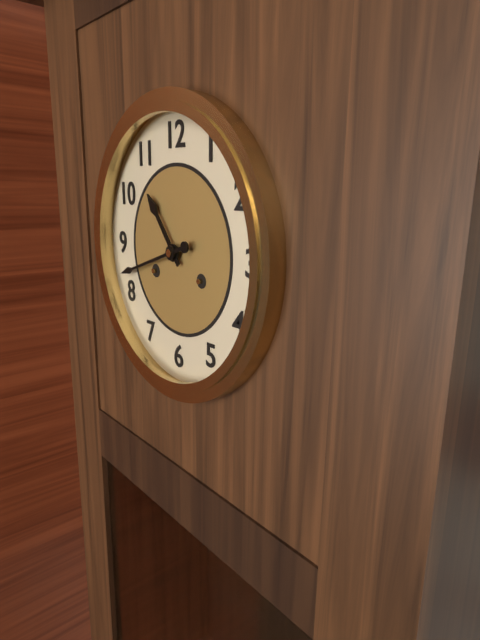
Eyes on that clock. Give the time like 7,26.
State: 10,42
